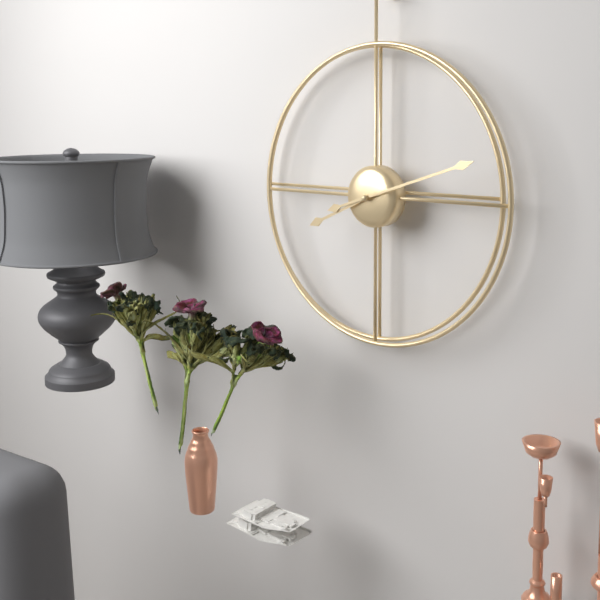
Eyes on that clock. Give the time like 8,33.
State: 8,12
